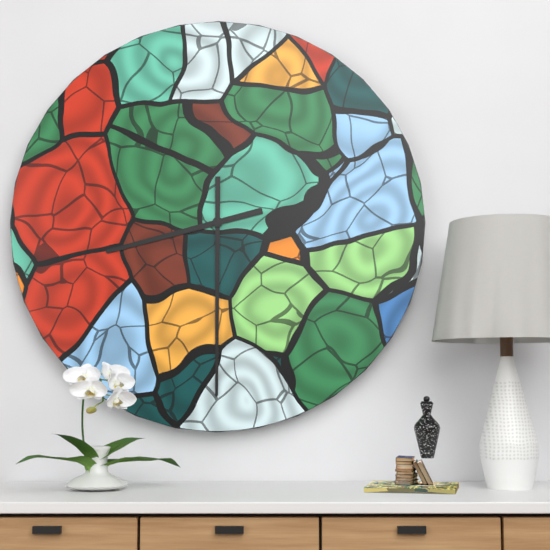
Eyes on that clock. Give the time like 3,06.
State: 8,30
